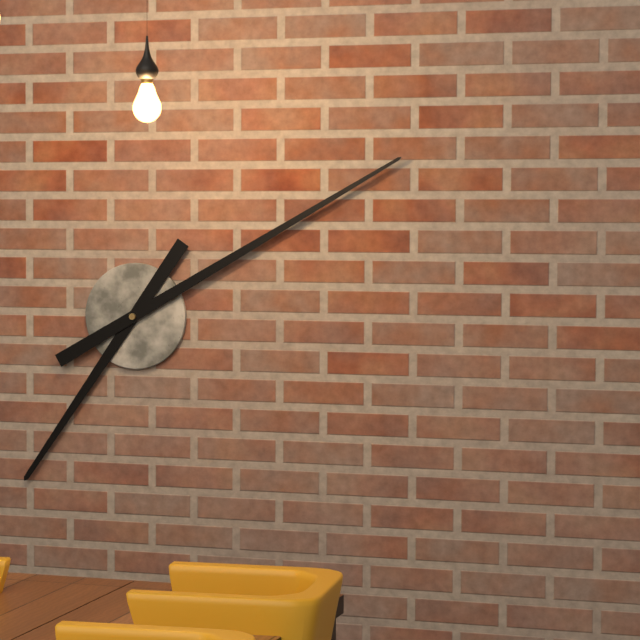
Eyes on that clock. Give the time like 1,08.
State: 7,10
